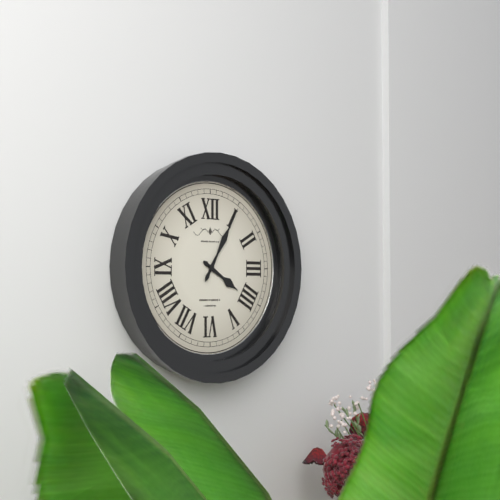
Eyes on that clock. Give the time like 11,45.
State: 4,05
